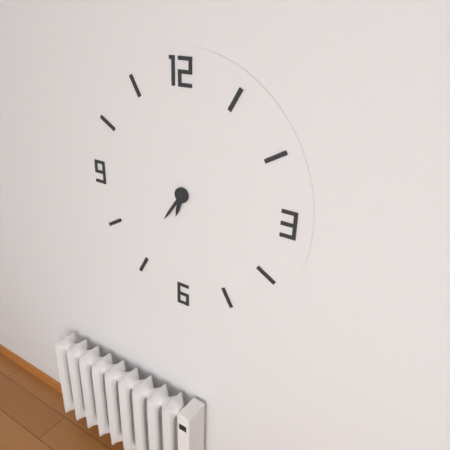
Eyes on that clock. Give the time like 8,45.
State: 6,36
